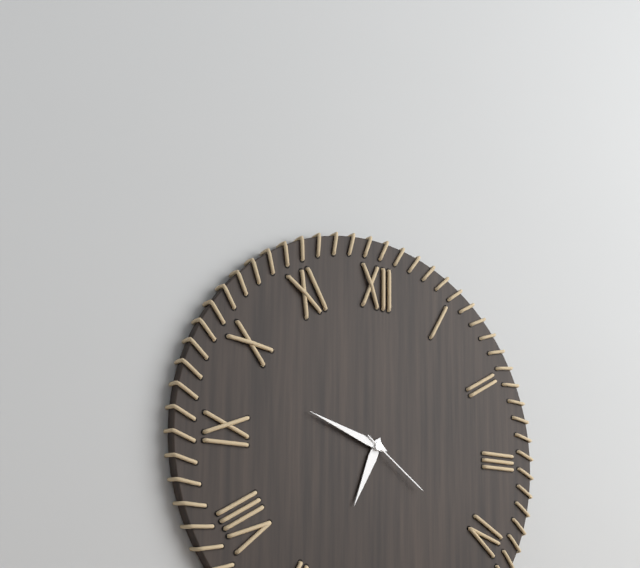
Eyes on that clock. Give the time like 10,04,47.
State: 6,48,21
